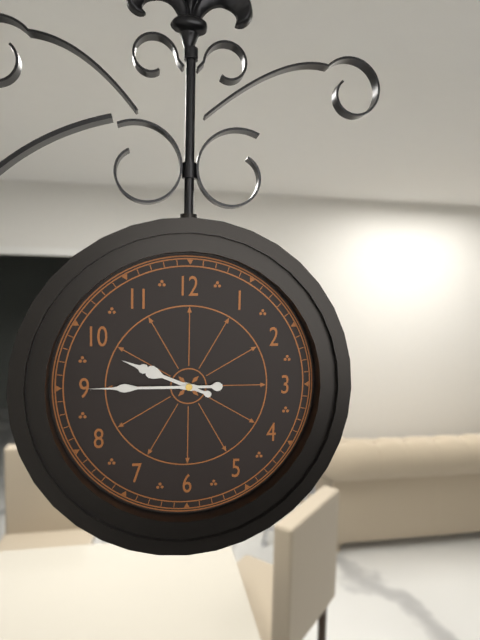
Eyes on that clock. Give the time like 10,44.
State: 9,45
